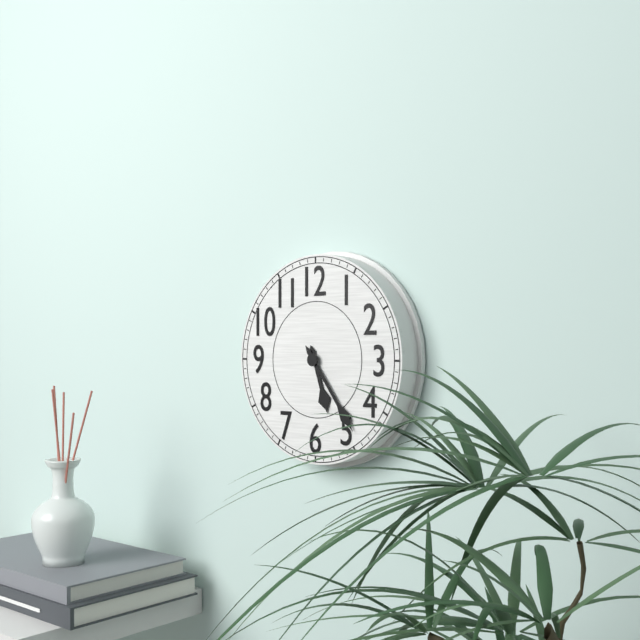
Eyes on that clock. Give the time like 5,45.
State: 5,24
